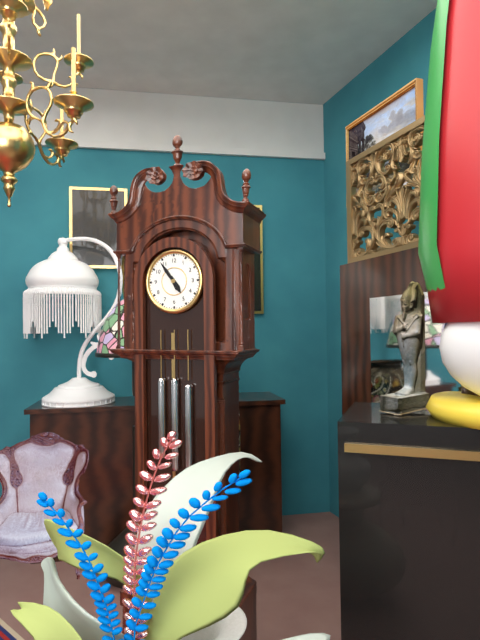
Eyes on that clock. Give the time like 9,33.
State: 4,54
